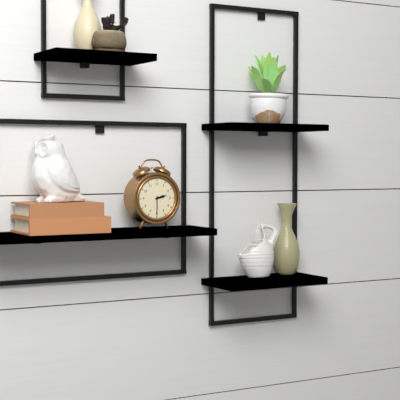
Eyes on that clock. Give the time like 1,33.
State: 2,30
